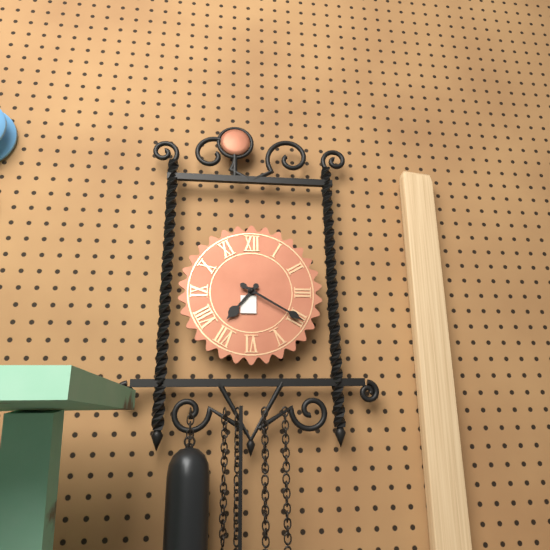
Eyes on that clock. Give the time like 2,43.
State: 7,20
